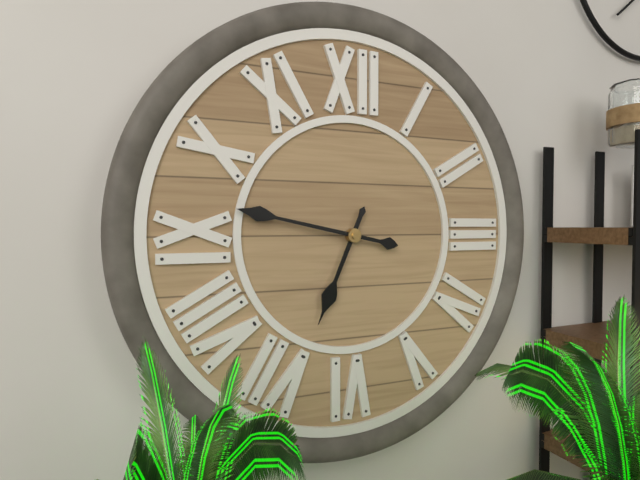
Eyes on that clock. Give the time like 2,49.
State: 6,47
